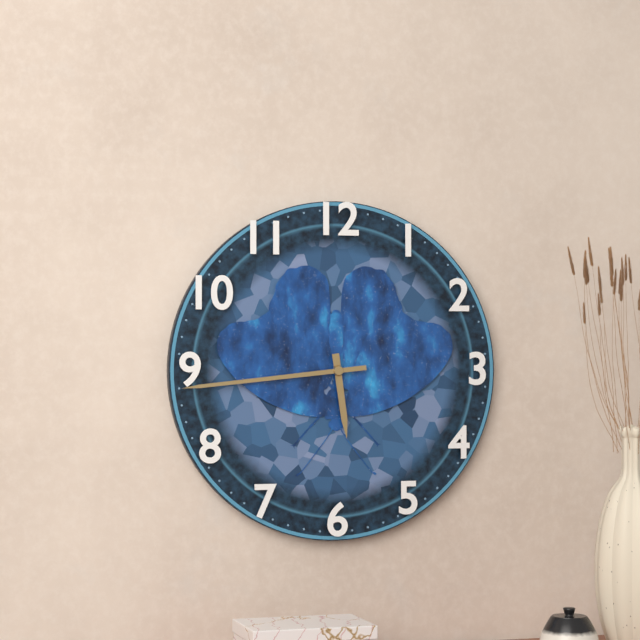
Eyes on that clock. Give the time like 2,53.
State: 5,44
